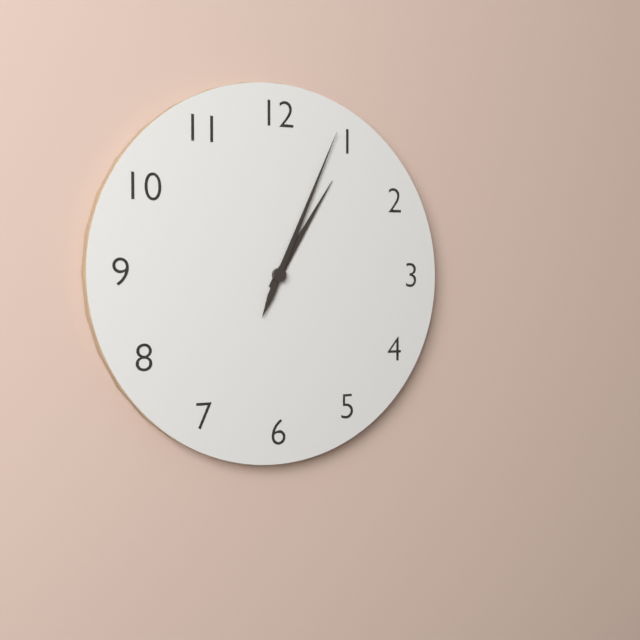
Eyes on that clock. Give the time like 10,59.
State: 1,04
